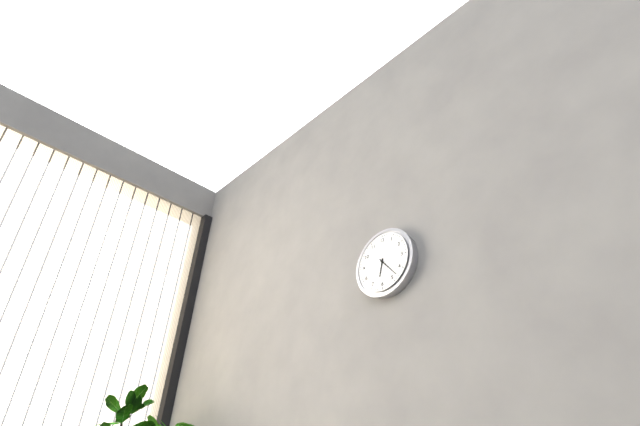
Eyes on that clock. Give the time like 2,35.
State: 6,23
